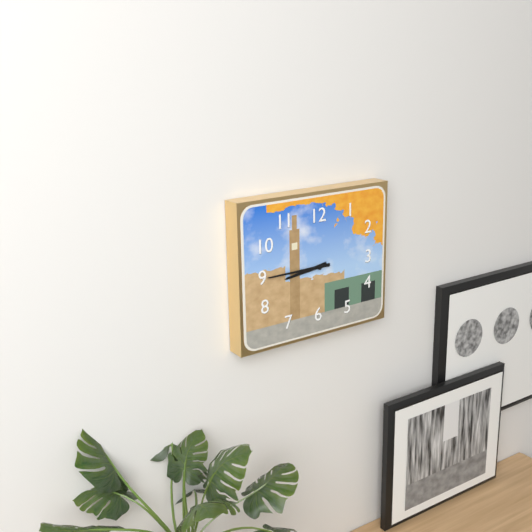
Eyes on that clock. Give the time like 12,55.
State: 8,45
